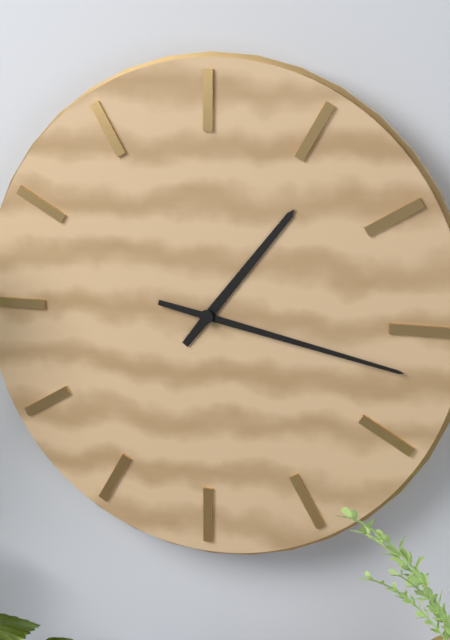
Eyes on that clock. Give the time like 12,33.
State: 1,17
